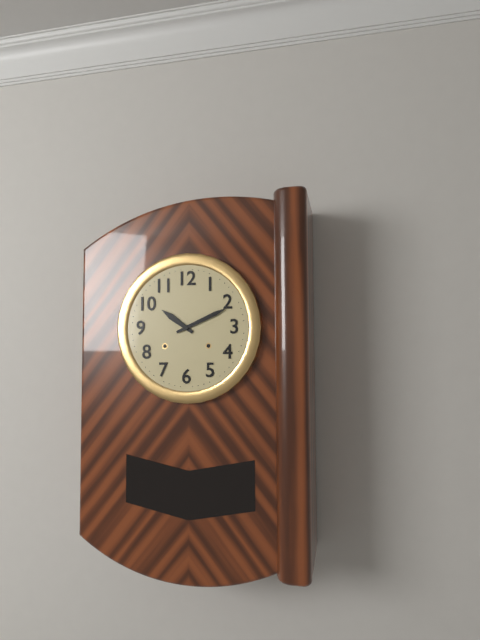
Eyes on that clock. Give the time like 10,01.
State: 10,11
